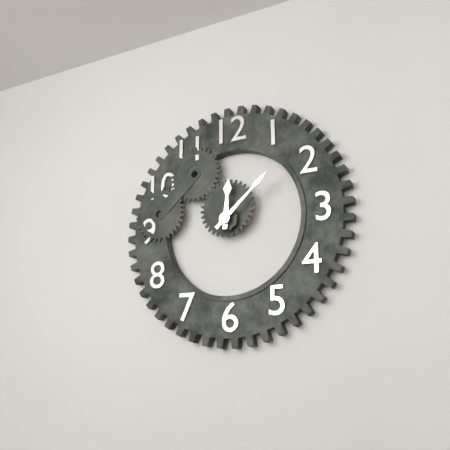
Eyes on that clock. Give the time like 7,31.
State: 12,08
